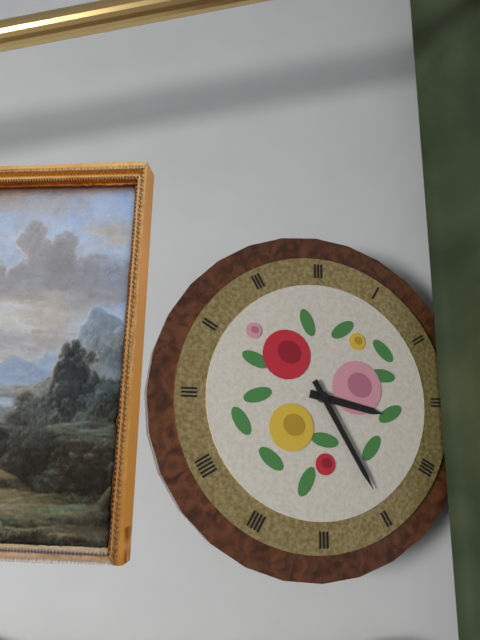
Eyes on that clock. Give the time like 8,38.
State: 3,25
